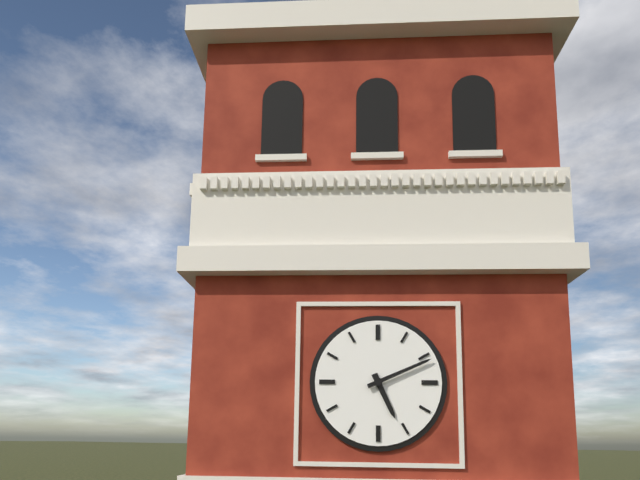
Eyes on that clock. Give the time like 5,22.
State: 5,11
